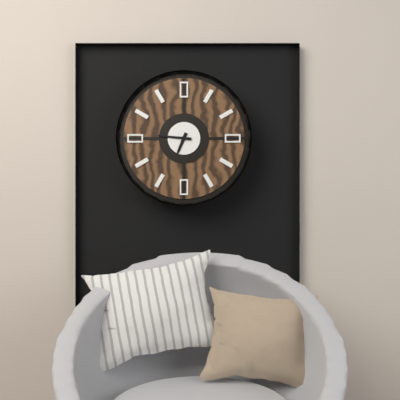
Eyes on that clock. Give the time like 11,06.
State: 6,46
